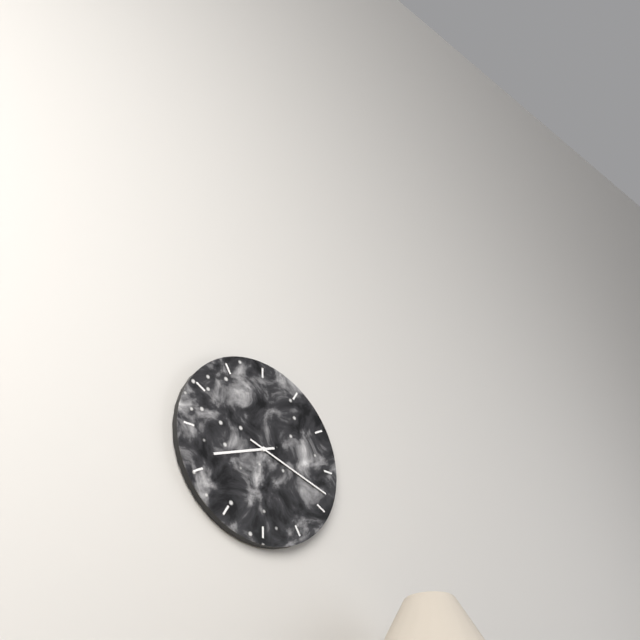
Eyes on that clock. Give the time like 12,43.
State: 8,18
